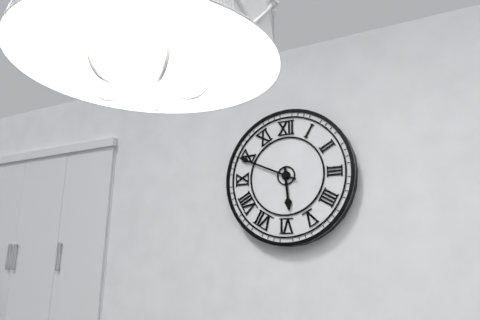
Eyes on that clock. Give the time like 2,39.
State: 5,49
